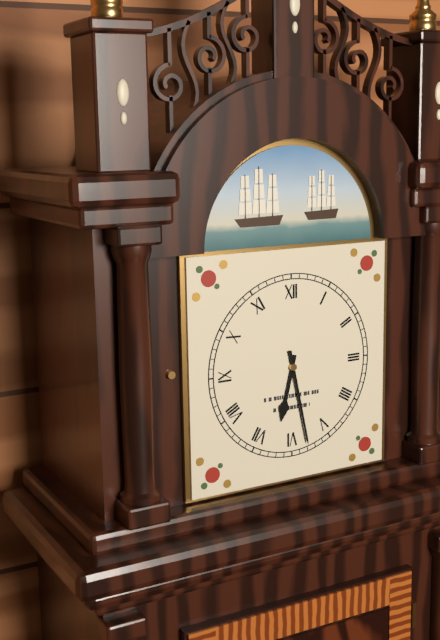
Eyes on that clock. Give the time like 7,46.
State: 6,28
